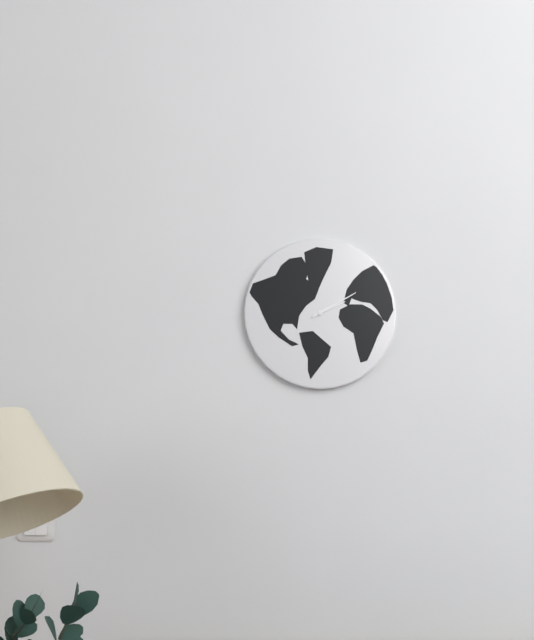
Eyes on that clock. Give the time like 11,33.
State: 2,10
